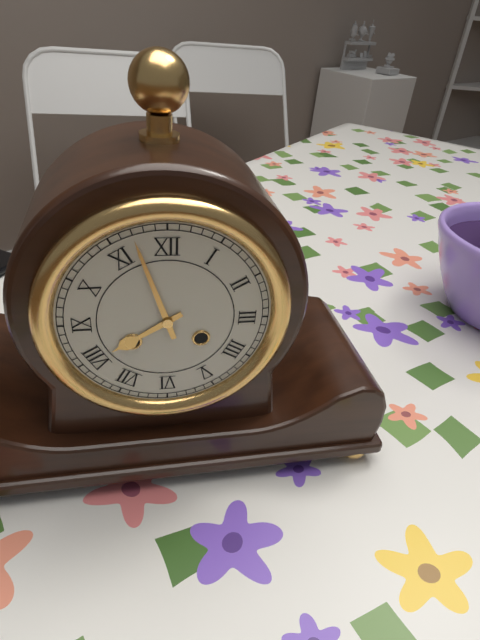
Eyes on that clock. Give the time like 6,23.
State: 7,57
